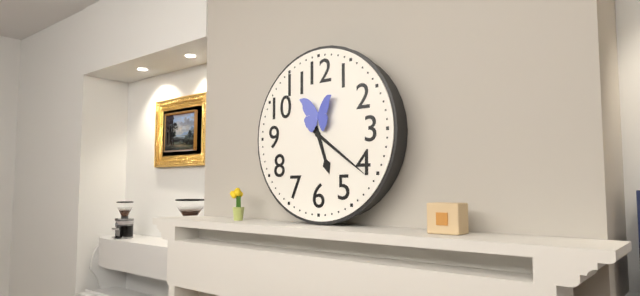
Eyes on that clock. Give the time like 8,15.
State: 5,21
